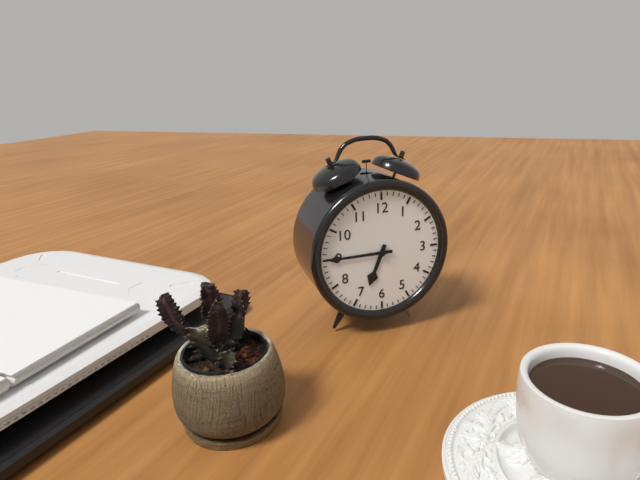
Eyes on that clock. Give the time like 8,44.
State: 6,45
